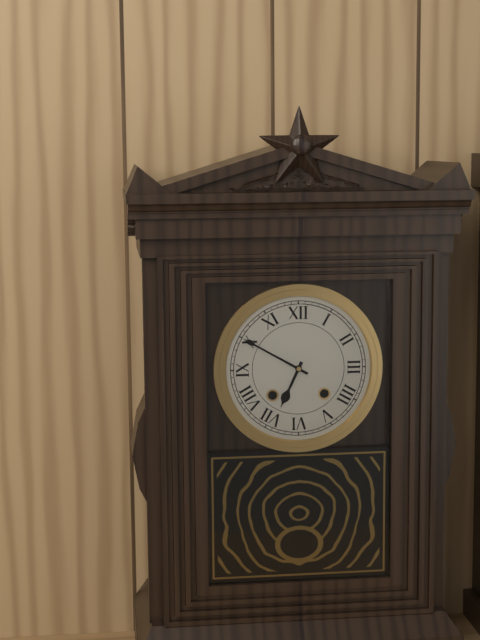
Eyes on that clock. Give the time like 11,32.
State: 6,50
